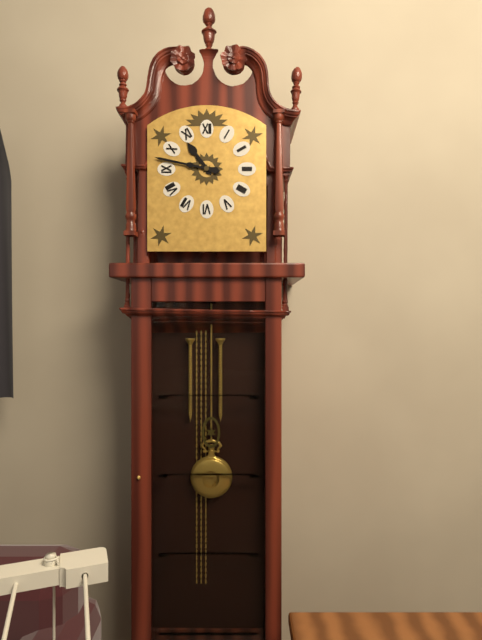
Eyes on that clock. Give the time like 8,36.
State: 10,47
